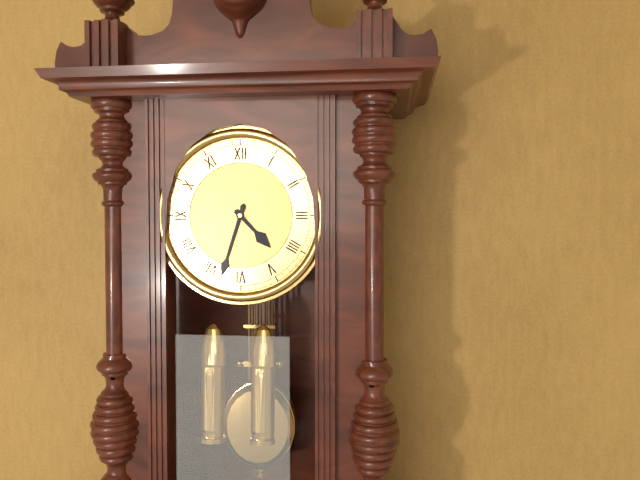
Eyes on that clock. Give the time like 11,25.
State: 4,33
